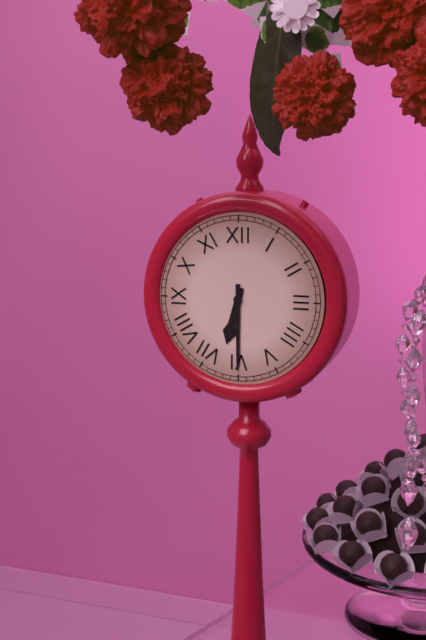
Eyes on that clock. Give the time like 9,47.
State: 6,30
